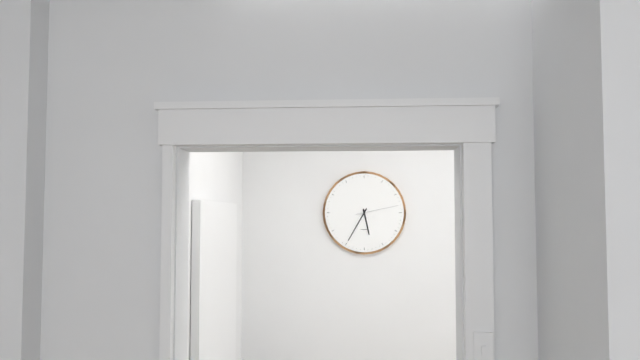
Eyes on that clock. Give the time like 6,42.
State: 5,35
